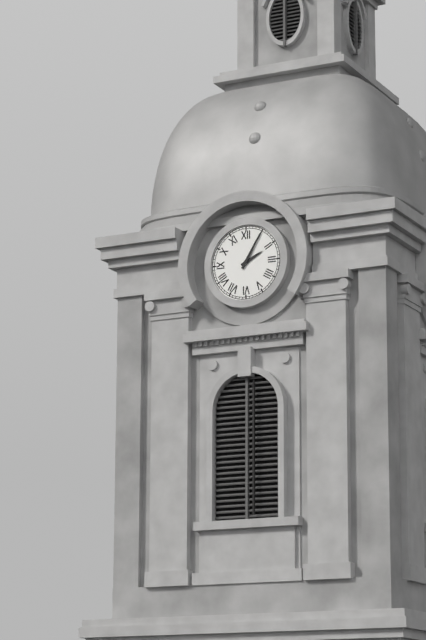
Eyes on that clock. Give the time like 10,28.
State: 2,05
